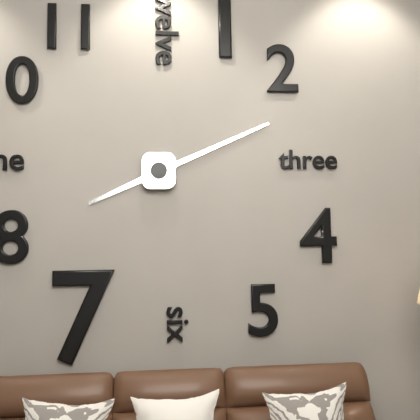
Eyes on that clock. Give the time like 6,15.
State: 8,11
